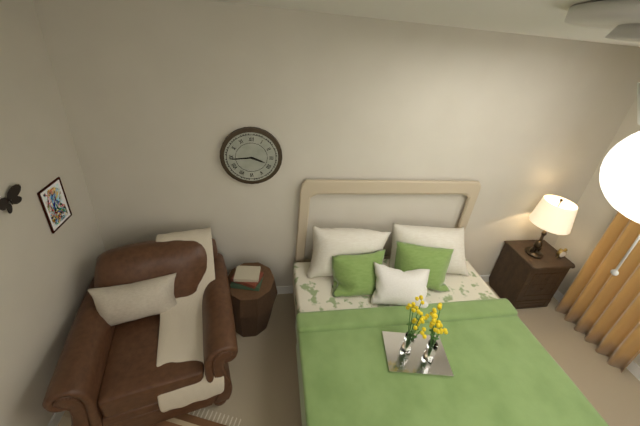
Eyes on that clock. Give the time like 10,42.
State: 3,44
